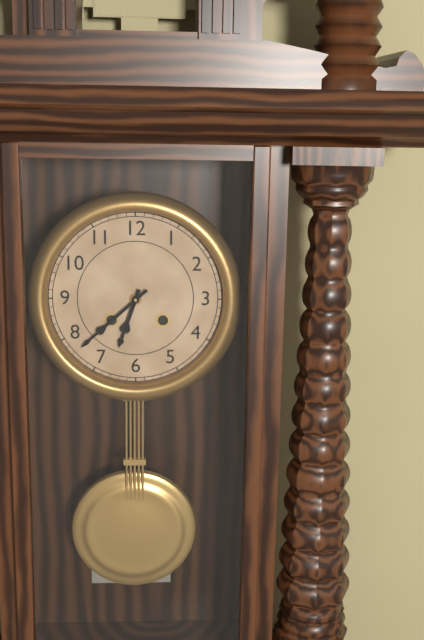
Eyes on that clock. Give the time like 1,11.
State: 6,38
